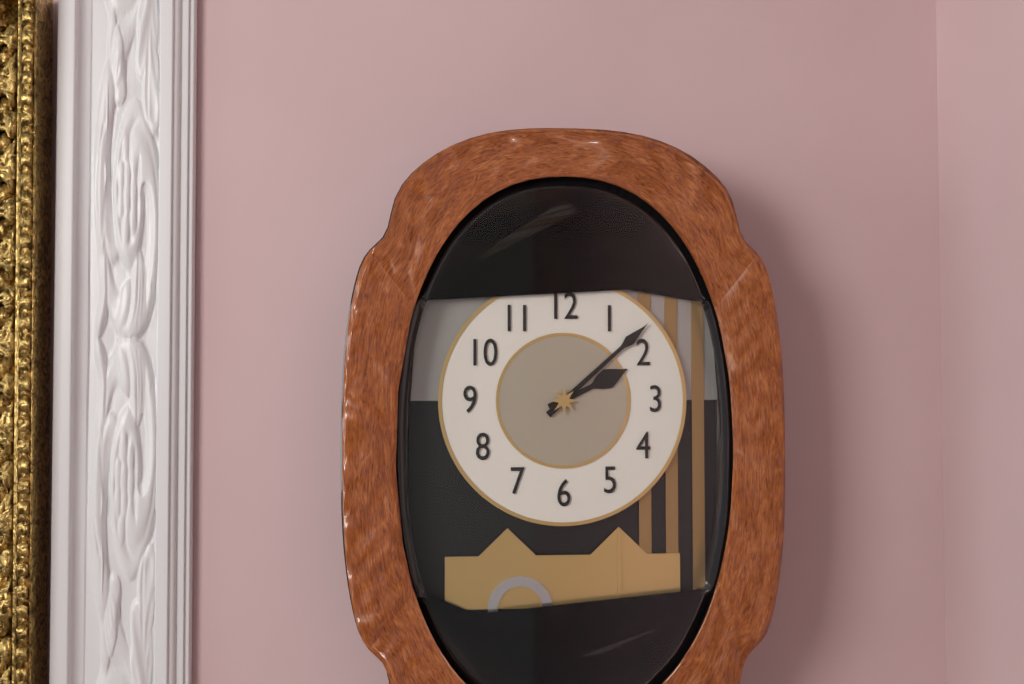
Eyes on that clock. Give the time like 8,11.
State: 2,08
